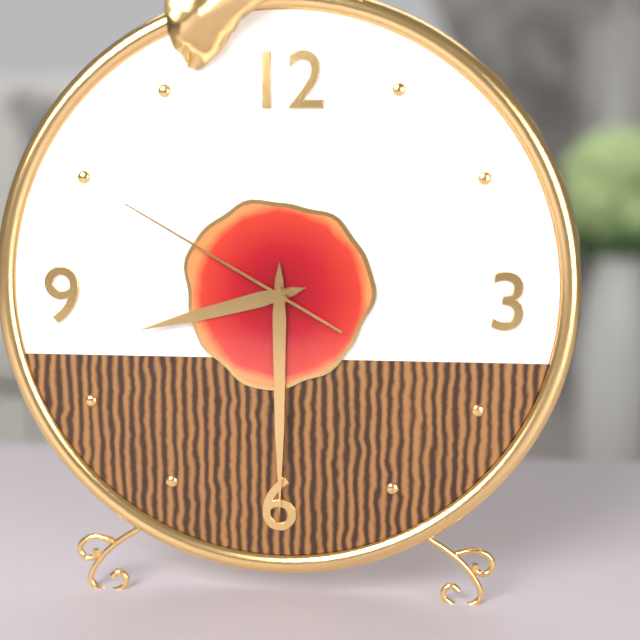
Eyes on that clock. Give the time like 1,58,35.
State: 8,30,50
